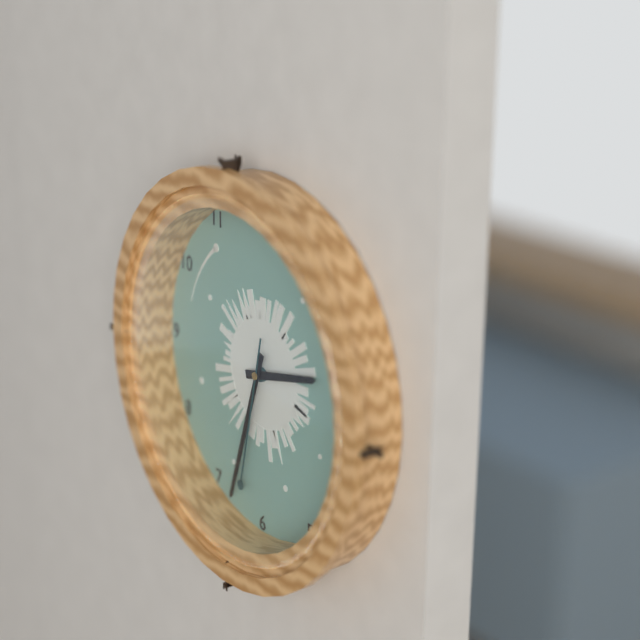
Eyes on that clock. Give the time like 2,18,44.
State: 2,33,32
